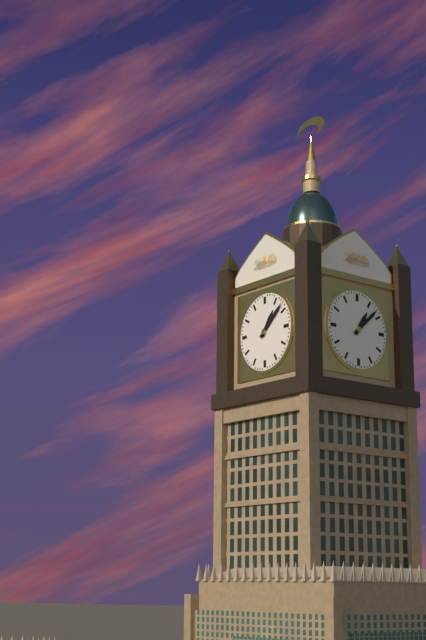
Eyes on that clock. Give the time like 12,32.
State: 1,08
